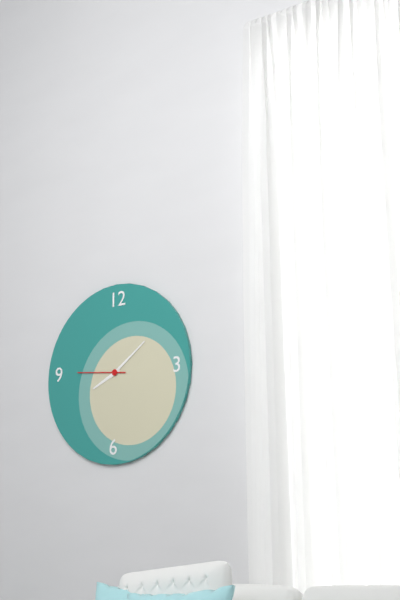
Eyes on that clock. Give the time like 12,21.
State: 8,09
